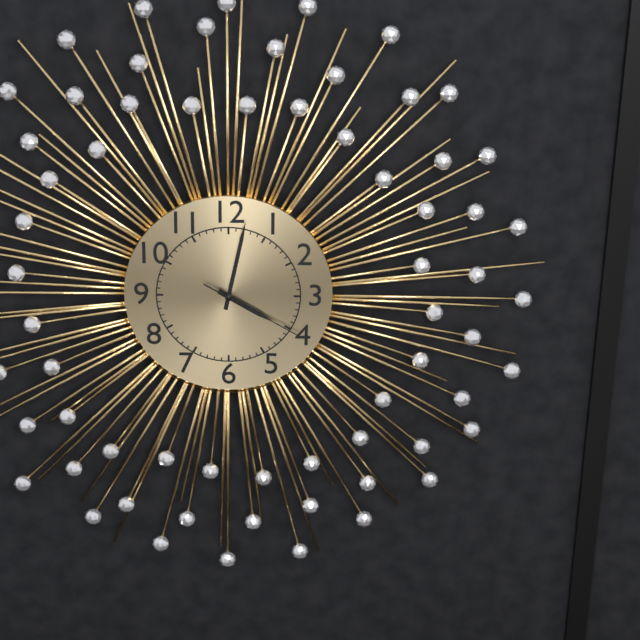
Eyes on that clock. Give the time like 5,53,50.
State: 4,02,20
